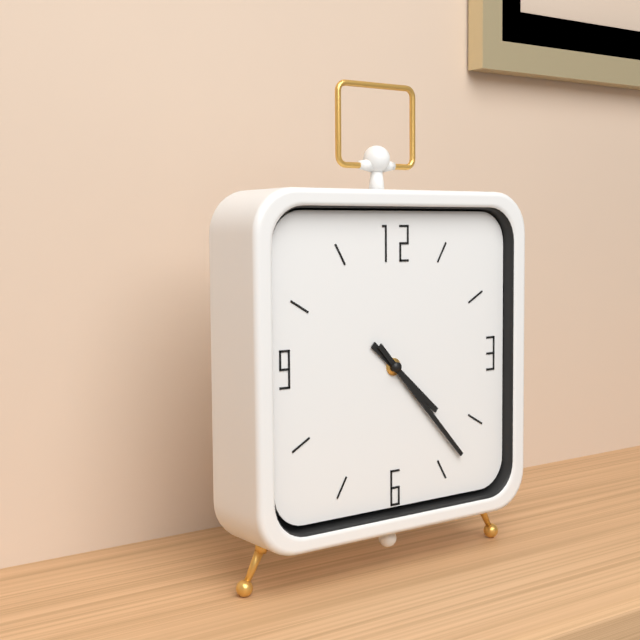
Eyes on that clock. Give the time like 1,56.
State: 4,23
